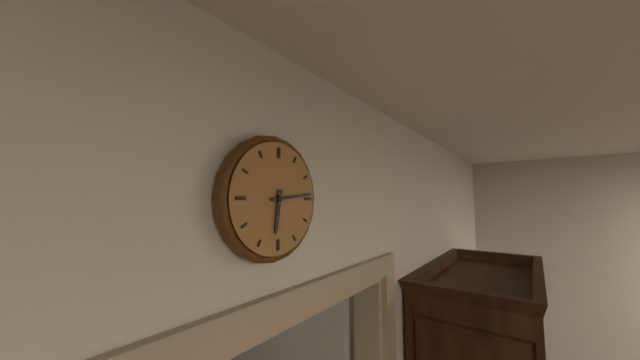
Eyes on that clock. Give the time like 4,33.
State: 6,14
